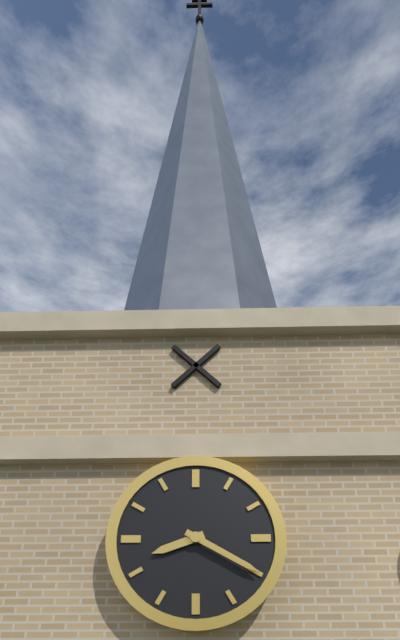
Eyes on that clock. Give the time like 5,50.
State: 8,20
